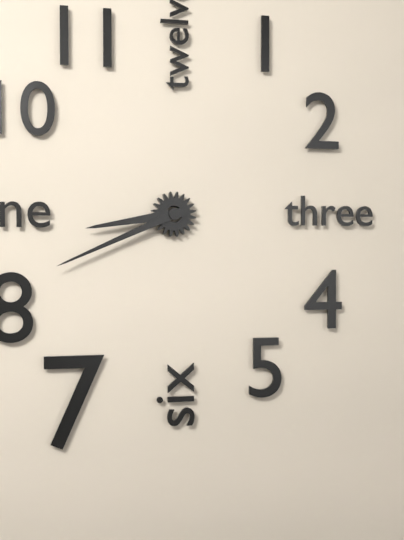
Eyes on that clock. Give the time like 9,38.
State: 8,41
